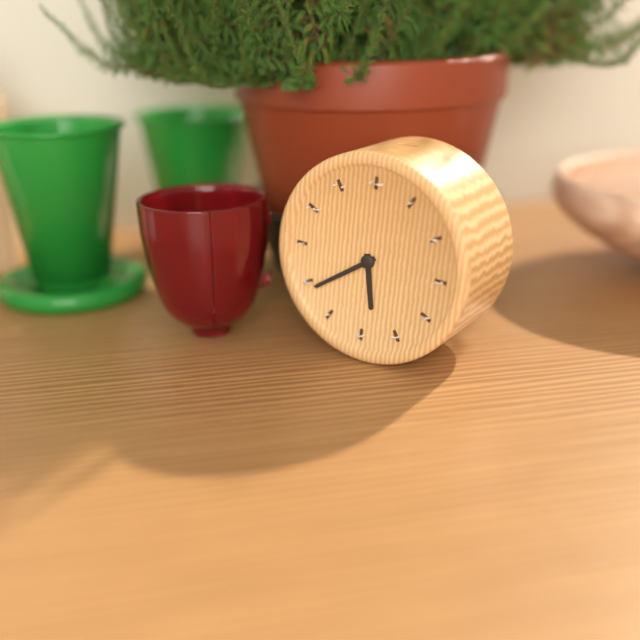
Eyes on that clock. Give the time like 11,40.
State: 5,39
